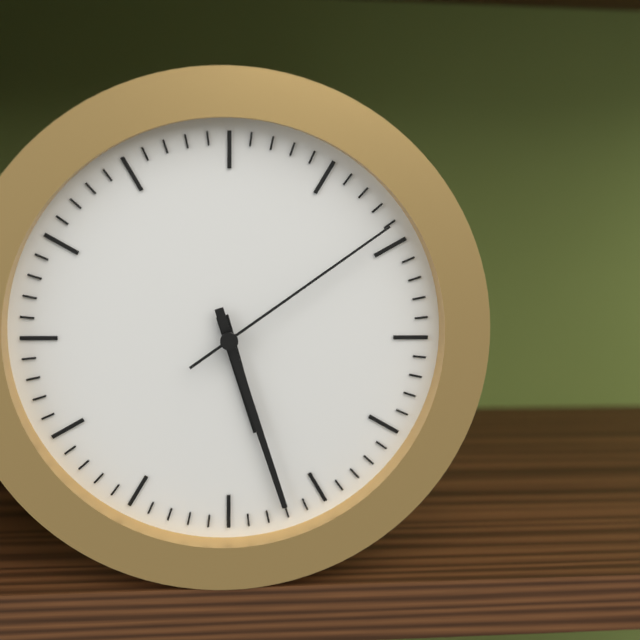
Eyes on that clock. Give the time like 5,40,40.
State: 5,27,09
